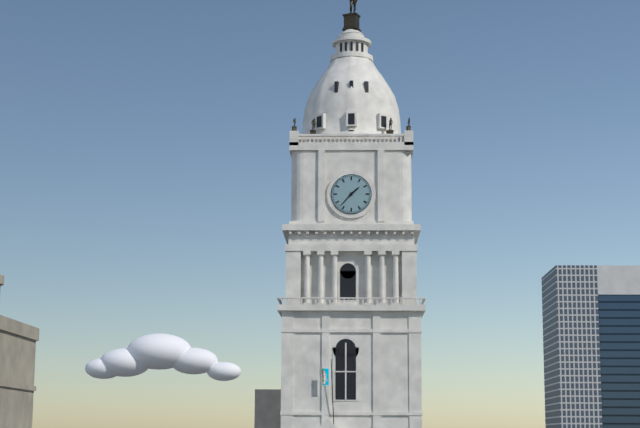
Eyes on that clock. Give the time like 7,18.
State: 1,37
